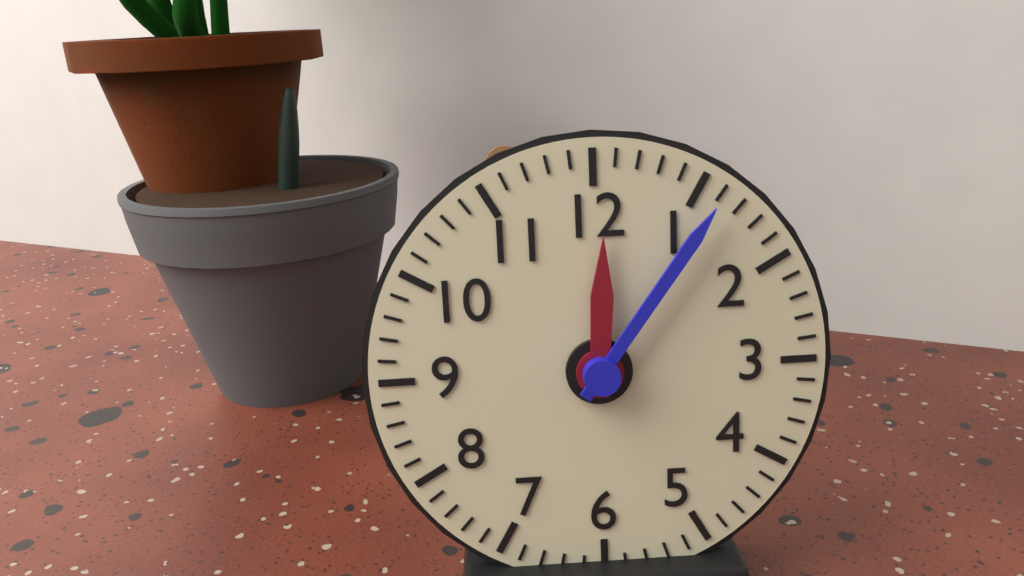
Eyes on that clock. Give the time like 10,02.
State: 12,06
